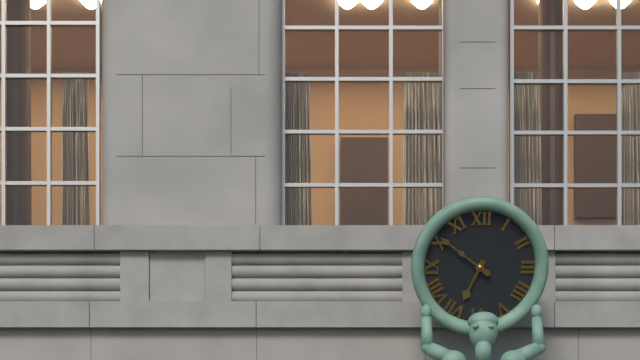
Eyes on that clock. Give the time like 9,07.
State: 6,51
